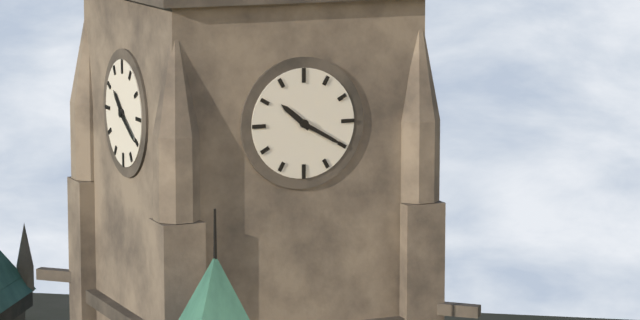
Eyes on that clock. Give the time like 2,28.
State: 10,20
